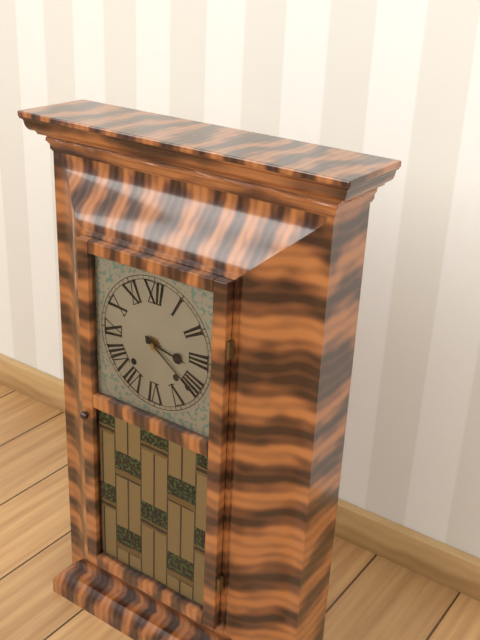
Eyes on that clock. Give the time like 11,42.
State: 3,21
